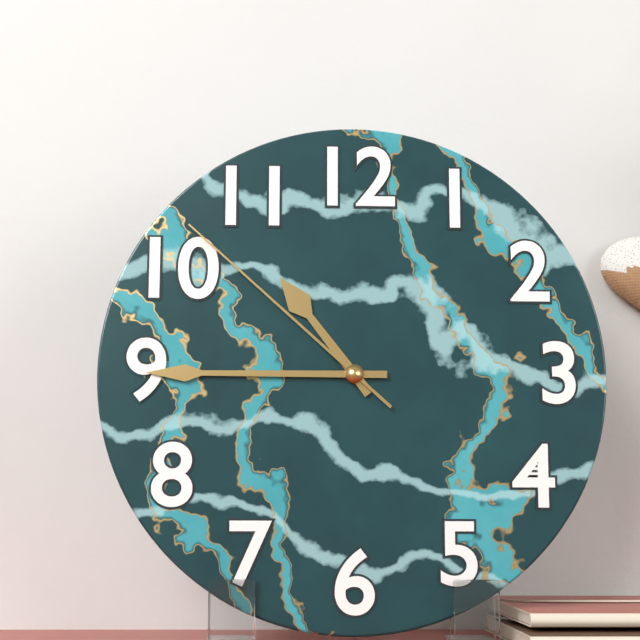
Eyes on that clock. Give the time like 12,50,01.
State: 10,45,52
